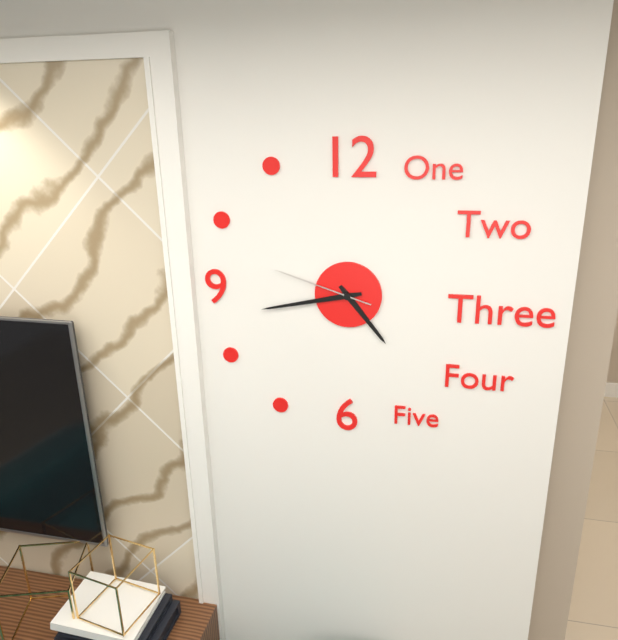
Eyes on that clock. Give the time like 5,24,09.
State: 4,43,48
